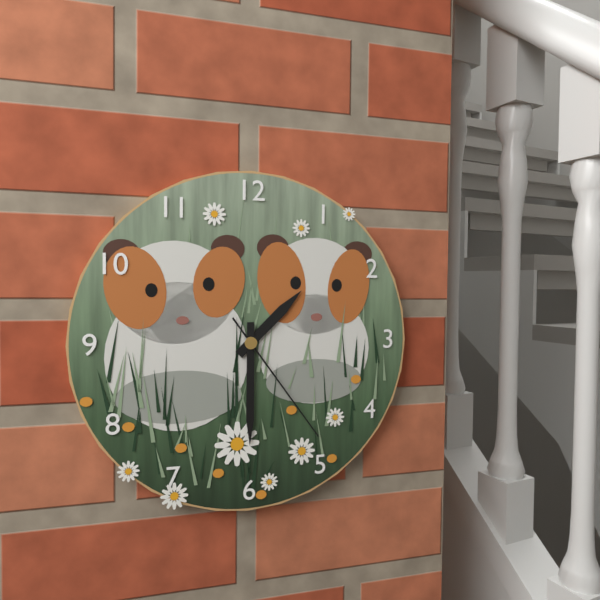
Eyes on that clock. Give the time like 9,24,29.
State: 1,30,24
